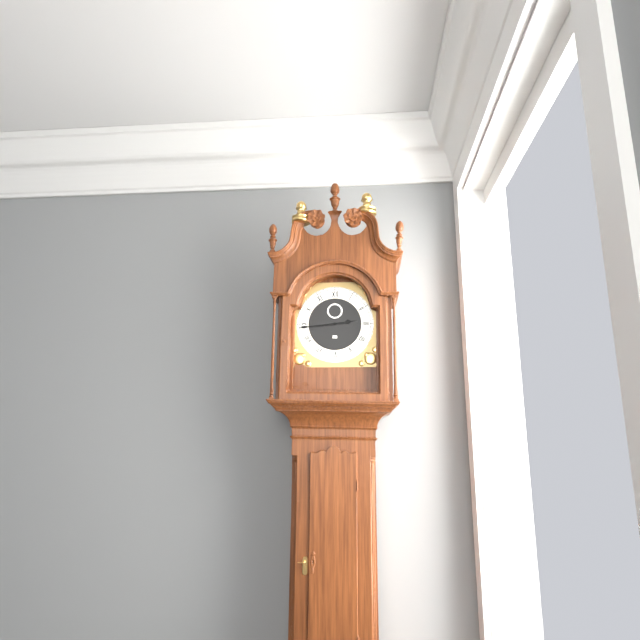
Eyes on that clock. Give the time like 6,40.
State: 2,44
